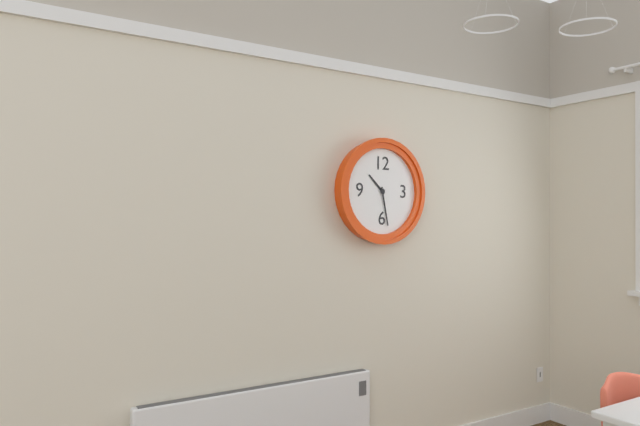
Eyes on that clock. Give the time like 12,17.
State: 10,28
